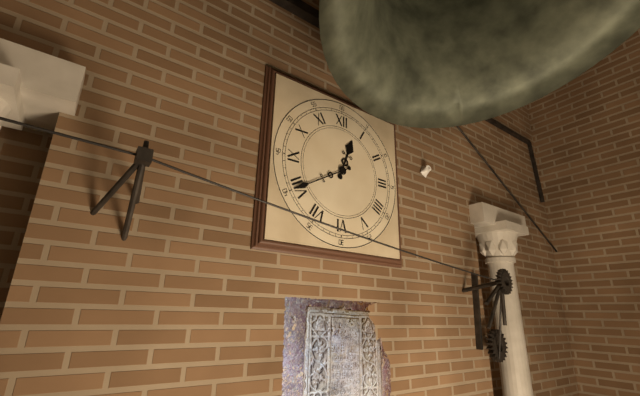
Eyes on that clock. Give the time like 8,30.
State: 12,40
